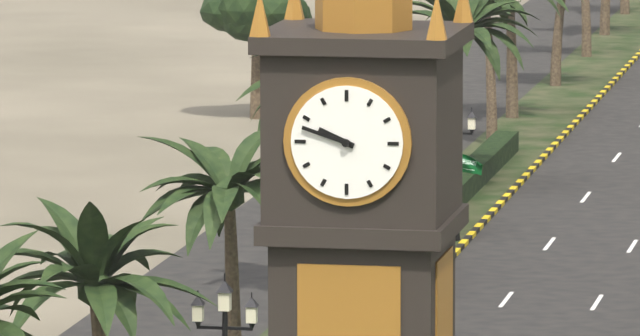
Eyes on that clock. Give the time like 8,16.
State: 9,48
